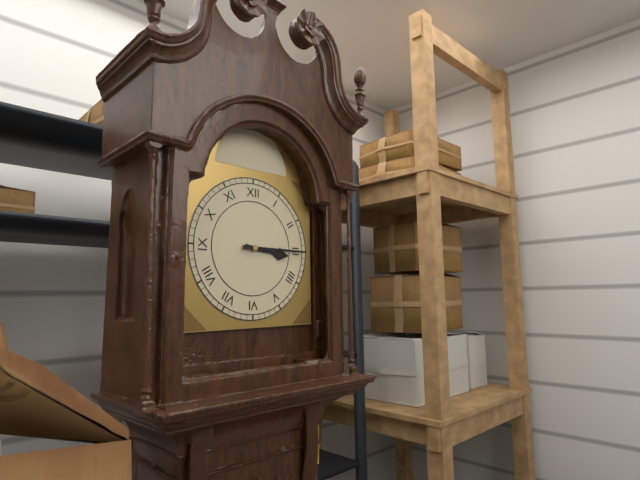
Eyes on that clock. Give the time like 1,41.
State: 3,15
